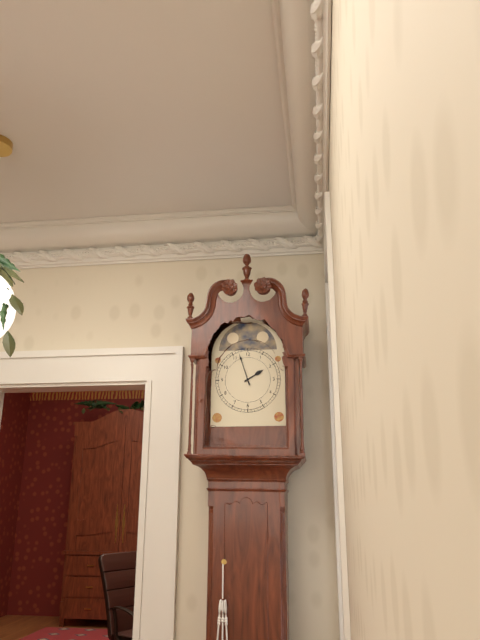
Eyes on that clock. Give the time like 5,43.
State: 1,57
